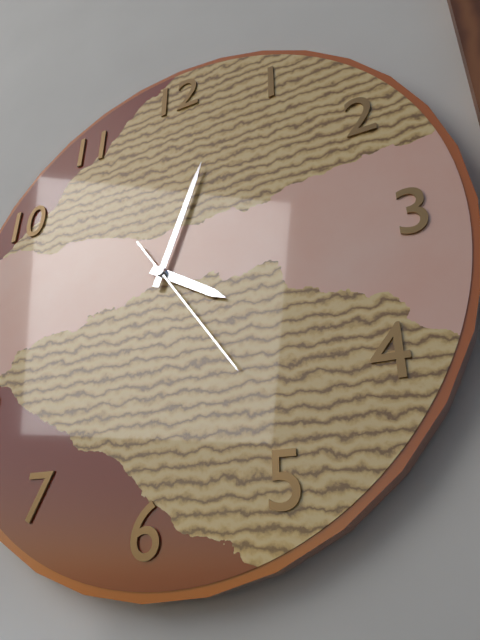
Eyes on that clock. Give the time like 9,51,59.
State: 4,03,24
